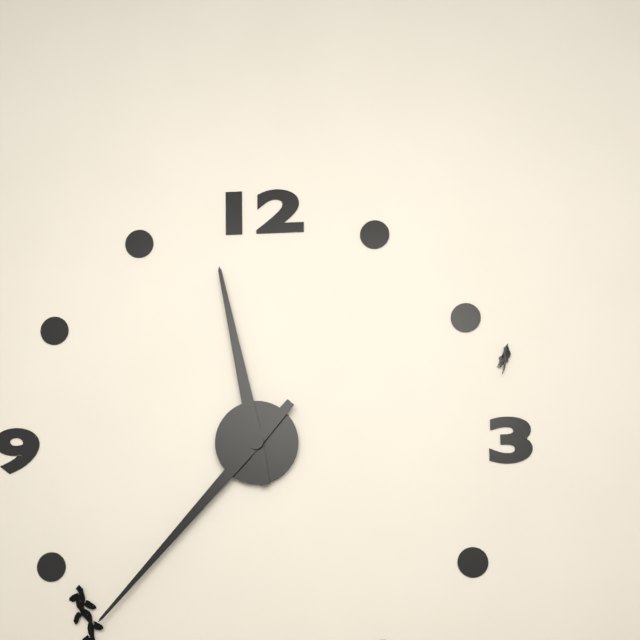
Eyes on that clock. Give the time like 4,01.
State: 11,37
